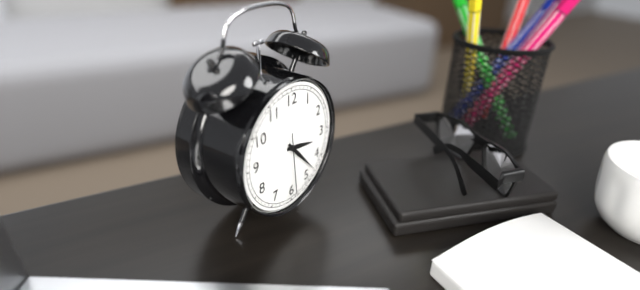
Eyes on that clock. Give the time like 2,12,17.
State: 3,23,29
